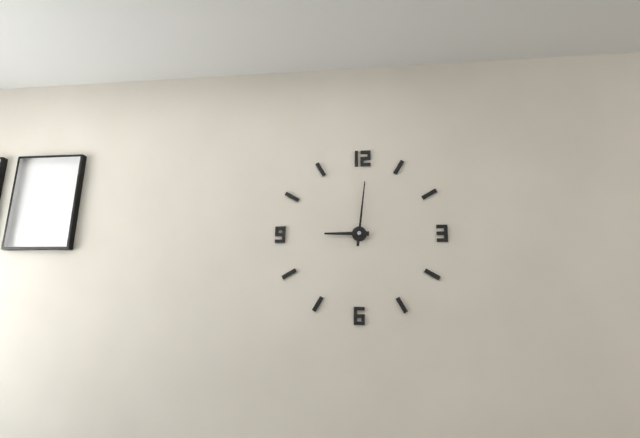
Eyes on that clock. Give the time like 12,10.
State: 9,01
